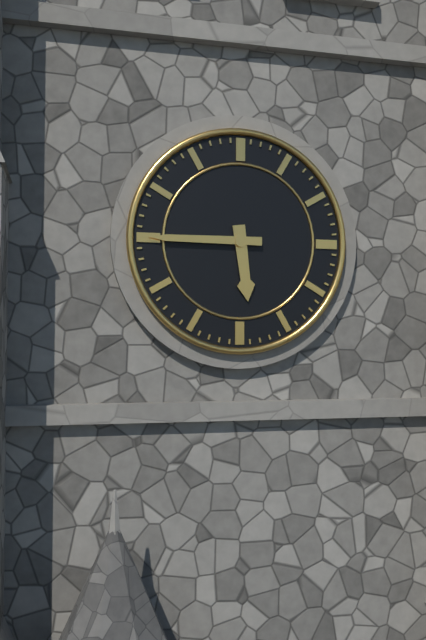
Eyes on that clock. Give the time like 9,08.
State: 5,45
